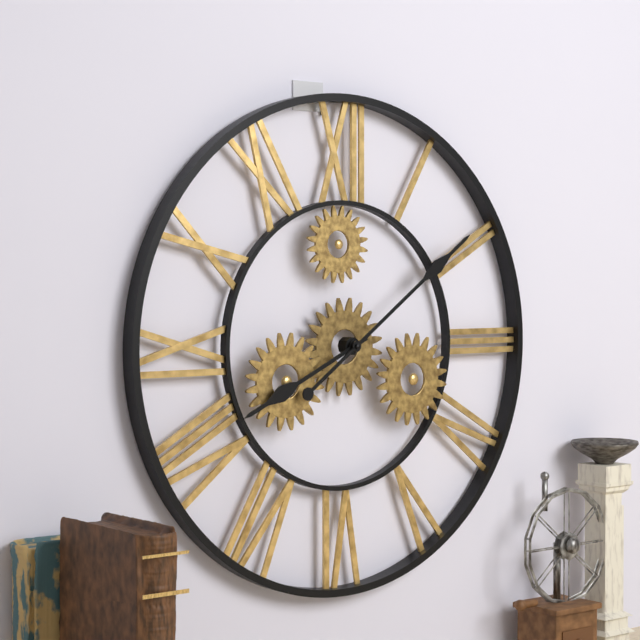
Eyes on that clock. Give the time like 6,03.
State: 8,09
